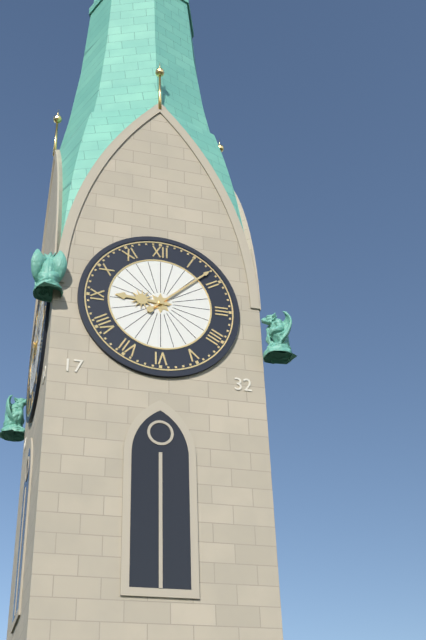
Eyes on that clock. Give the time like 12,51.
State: 9,08
